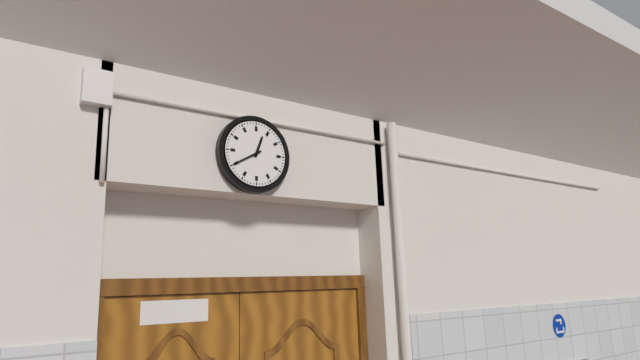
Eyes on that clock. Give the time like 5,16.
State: 12,40
